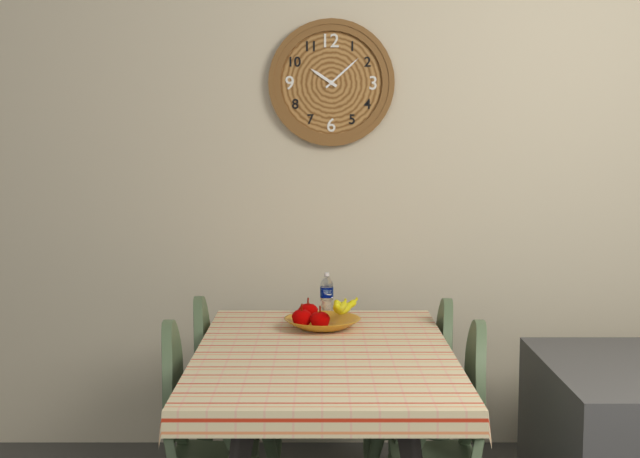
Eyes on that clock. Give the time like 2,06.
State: 10,08
